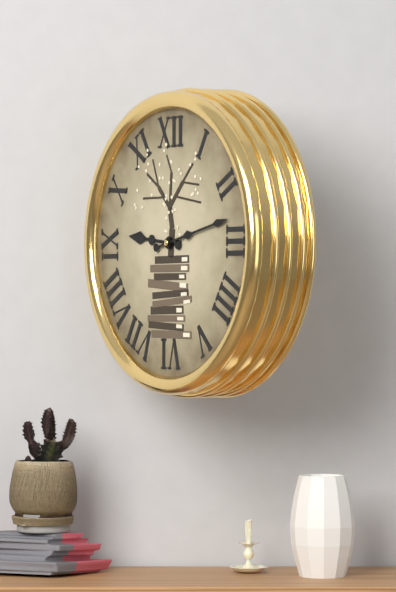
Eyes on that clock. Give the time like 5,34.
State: 9,13
